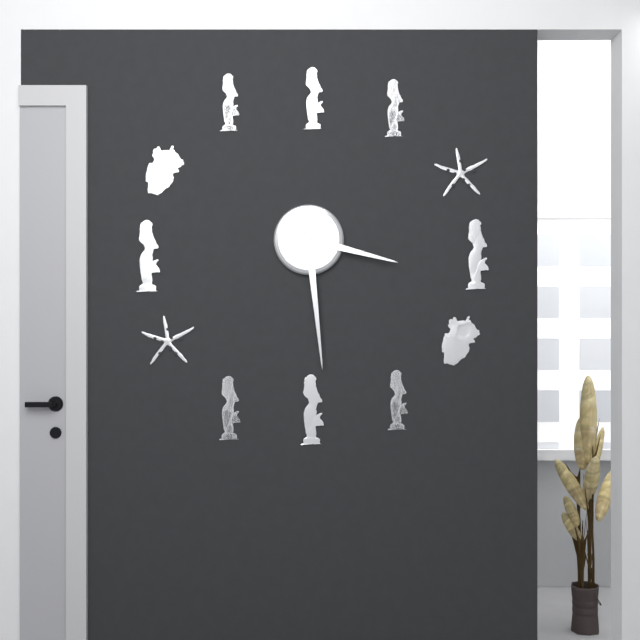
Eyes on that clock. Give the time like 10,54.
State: 3,29
